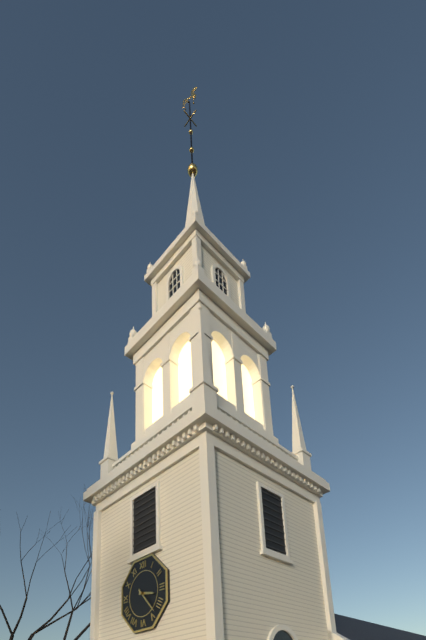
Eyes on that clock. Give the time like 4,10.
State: 3,23
